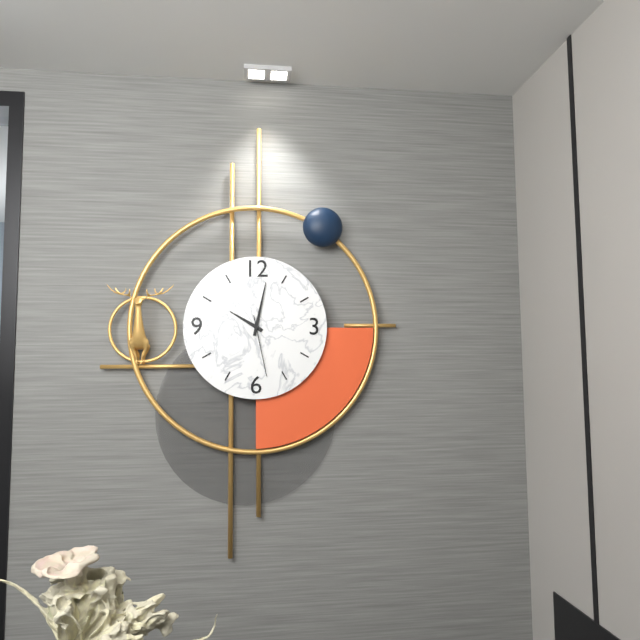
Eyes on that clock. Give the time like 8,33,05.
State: 10,02,28
